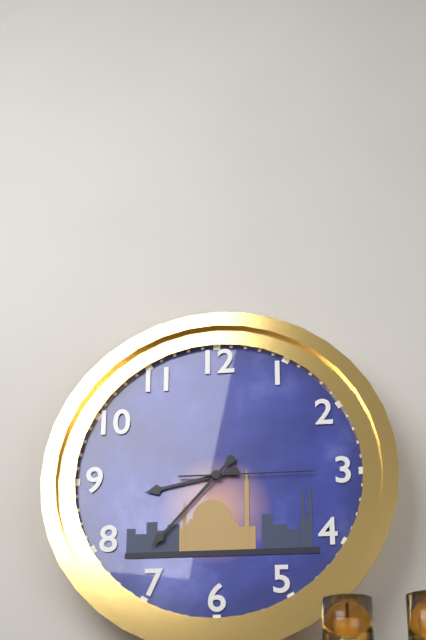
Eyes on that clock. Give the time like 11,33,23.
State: 8,37,15
